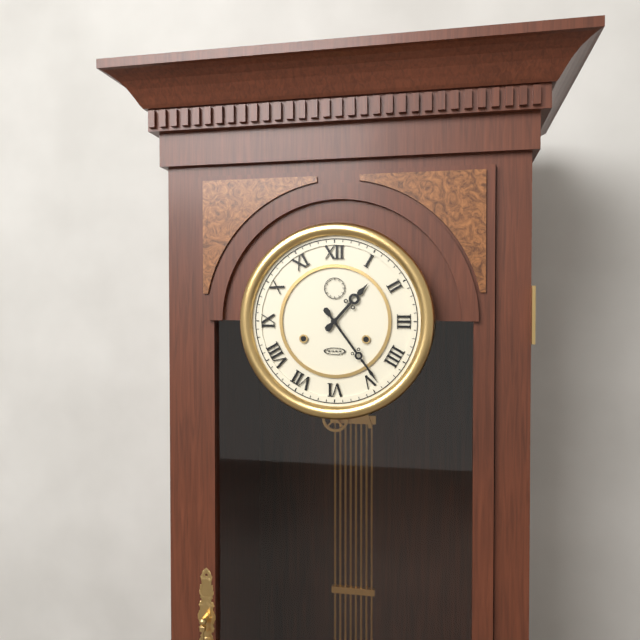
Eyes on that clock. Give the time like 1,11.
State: 1,24
